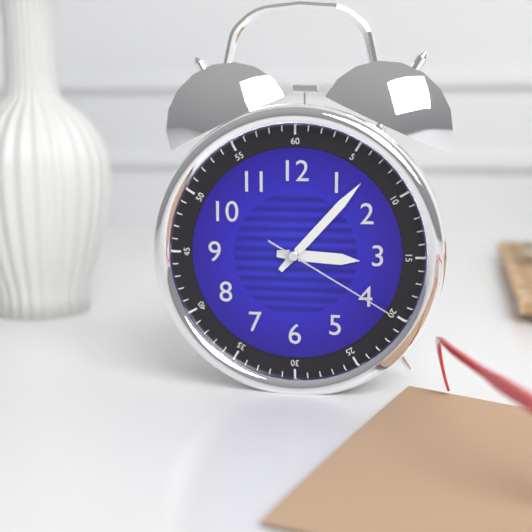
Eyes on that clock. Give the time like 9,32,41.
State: 3,07,20
